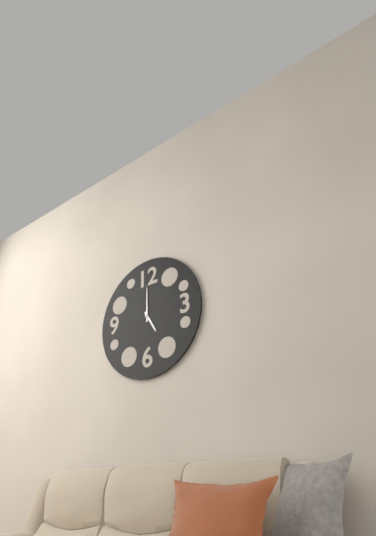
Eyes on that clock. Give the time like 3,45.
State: 5,00
